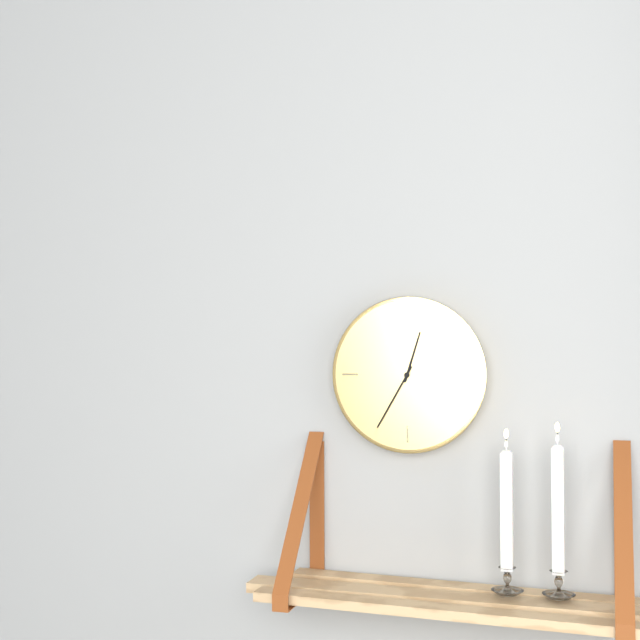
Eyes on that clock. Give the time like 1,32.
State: 12,35
